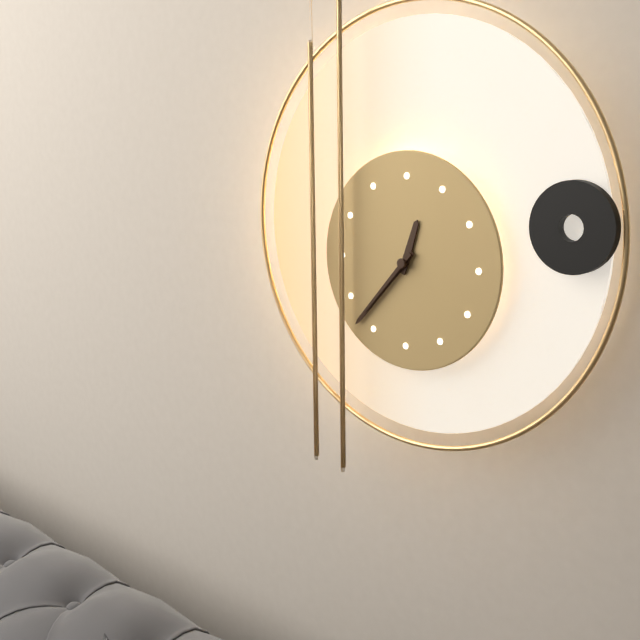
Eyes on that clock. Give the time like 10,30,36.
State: 12,37,37
